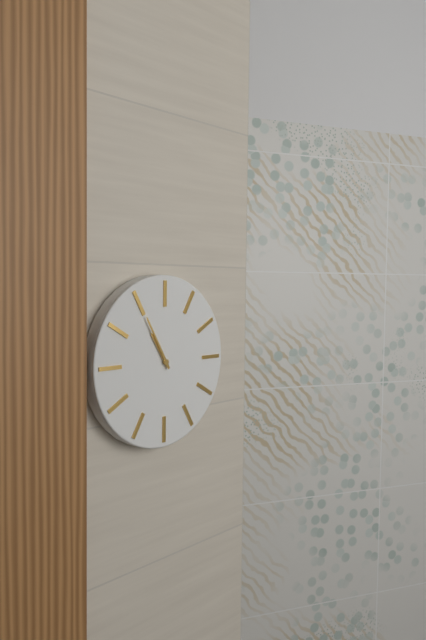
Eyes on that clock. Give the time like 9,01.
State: 10,55
